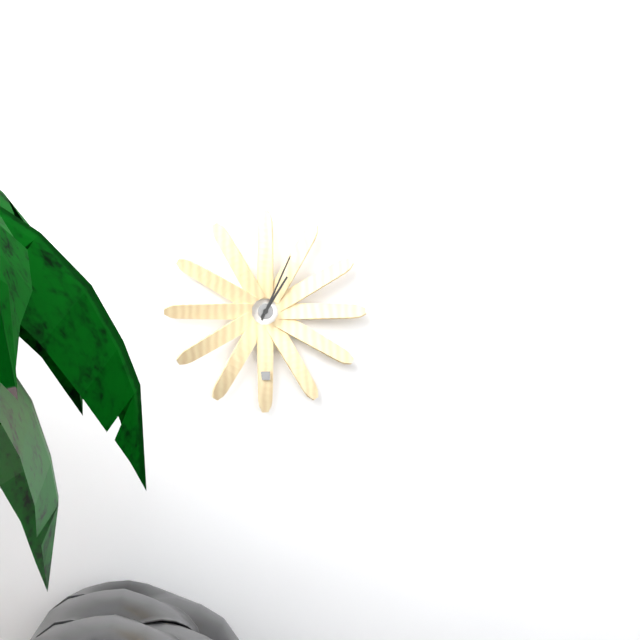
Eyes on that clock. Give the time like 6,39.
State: 1,04
